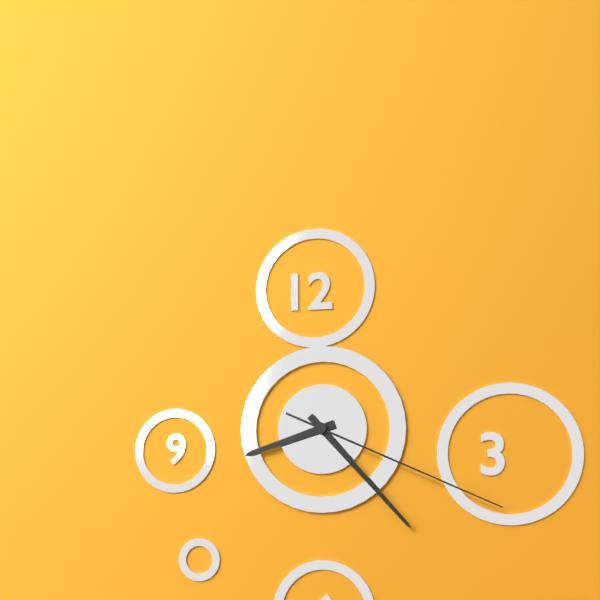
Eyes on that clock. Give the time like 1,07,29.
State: 8,23,19
